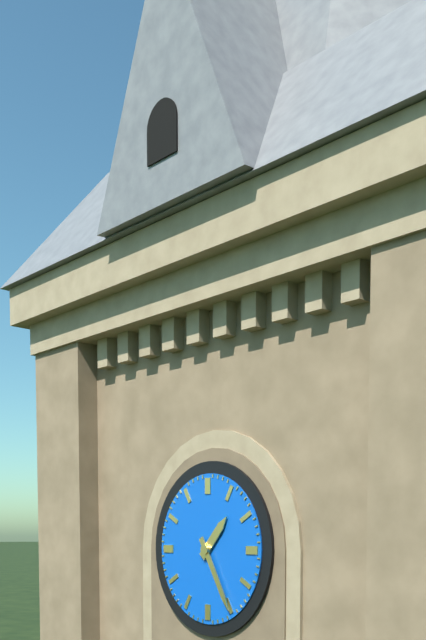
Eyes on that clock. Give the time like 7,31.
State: 1,25
